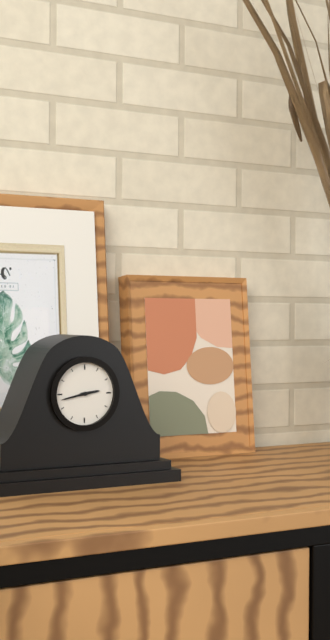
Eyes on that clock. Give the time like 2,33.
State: 2,43
